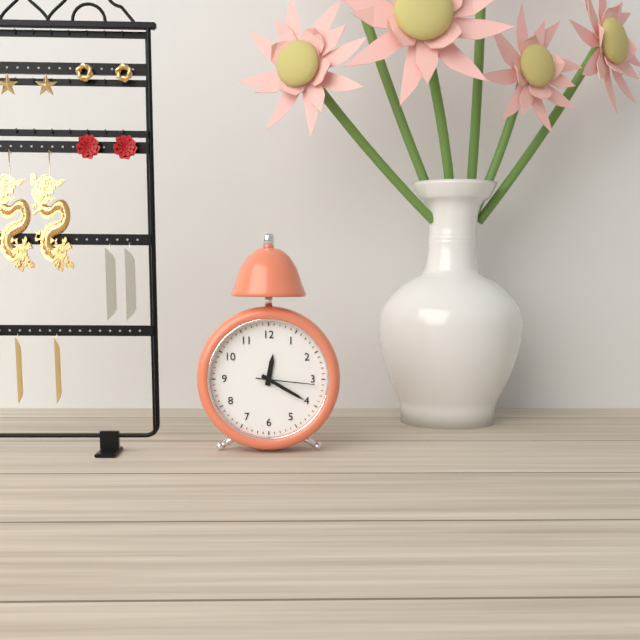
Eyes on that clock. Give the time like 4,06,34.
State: 12,20,16
